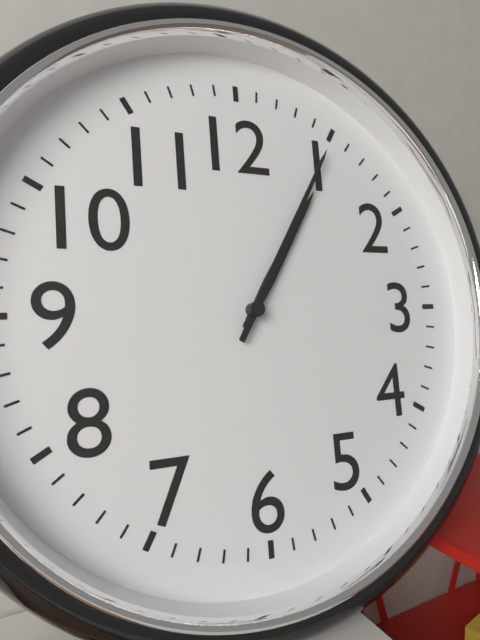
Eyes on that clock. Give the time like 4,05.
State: 1,05
